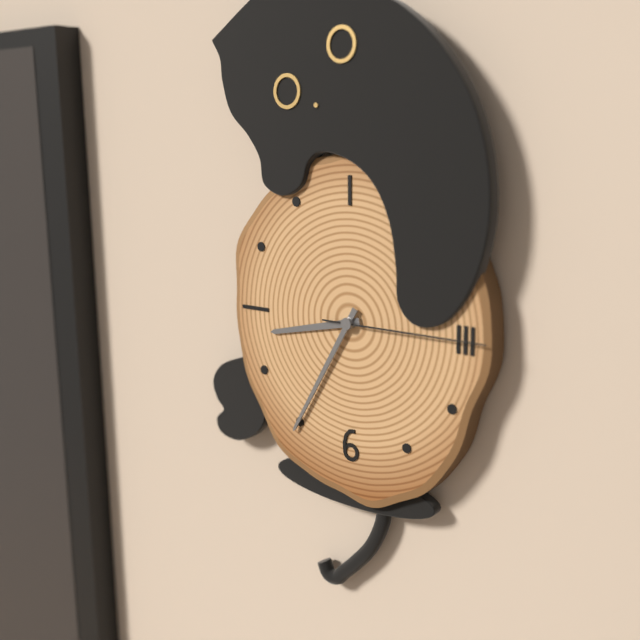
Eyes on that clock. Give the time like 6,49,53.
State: 8,35,15
